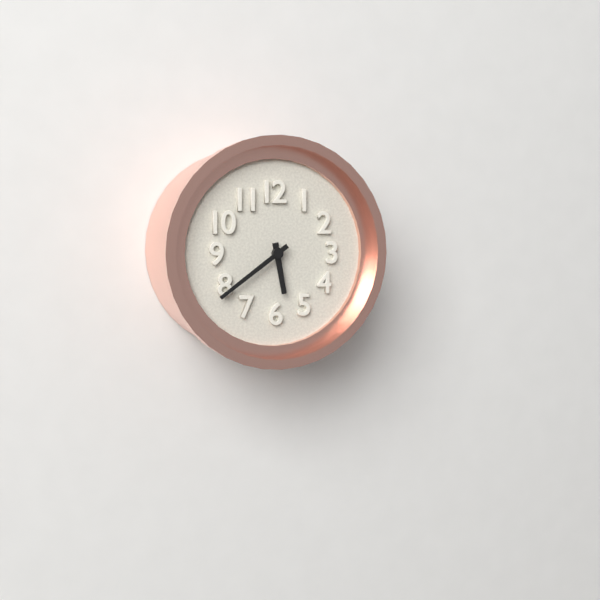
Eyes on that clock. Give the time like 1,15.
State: 5,39
